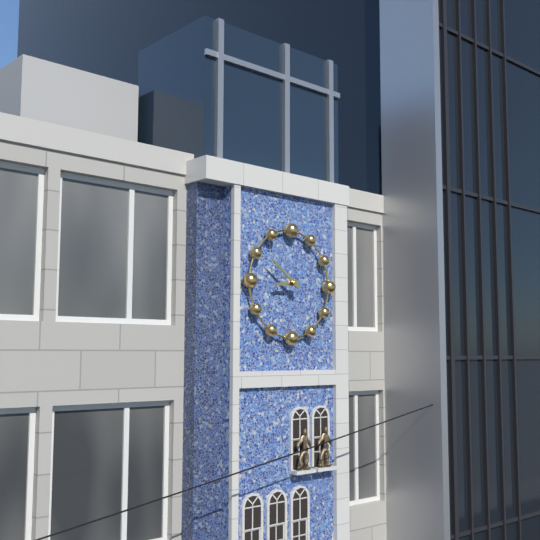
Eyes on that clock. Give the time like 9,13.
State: 8,51
